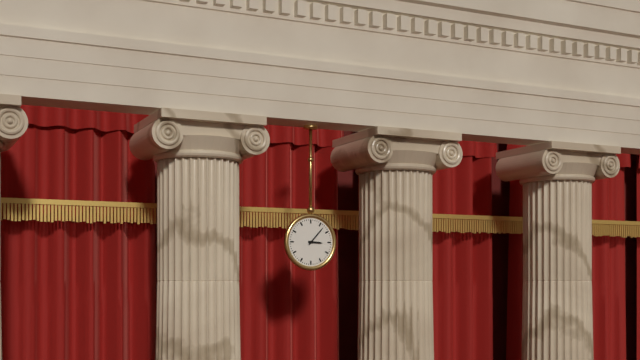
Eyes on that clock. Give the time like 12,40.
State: 3,07
